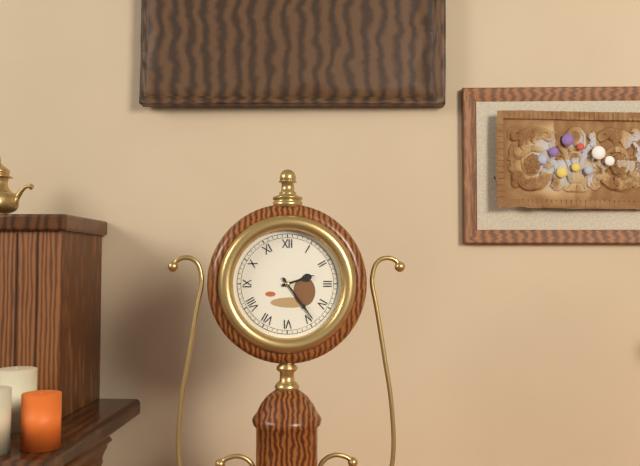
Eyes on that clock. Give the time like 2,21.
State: 2,24
